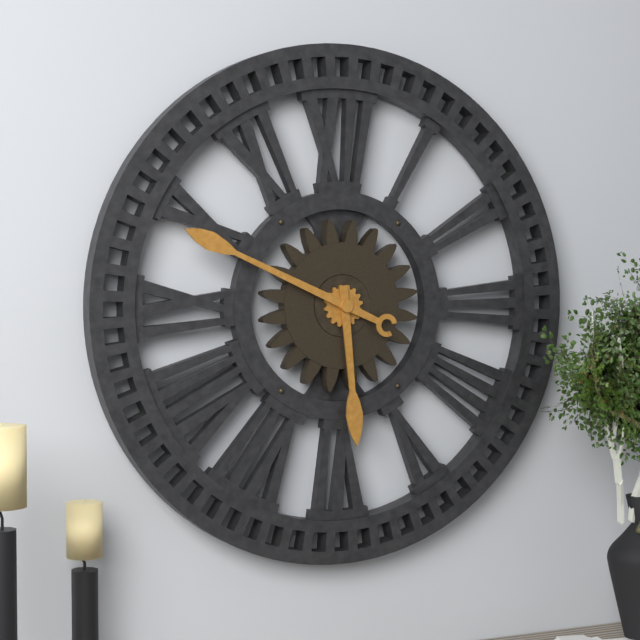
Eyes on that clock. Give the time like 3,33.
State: 5,49
